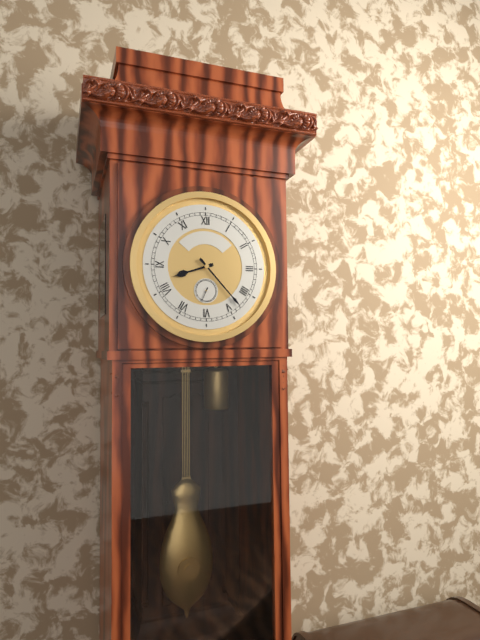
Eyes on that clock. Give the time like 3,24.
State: 8,23
